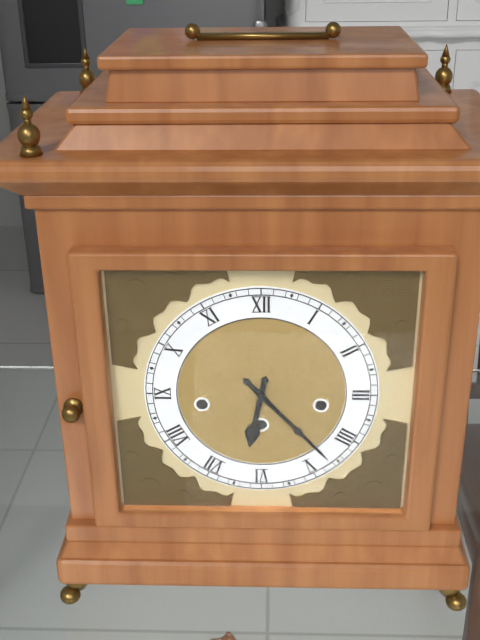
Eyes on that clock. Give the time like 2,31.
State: 6,23
